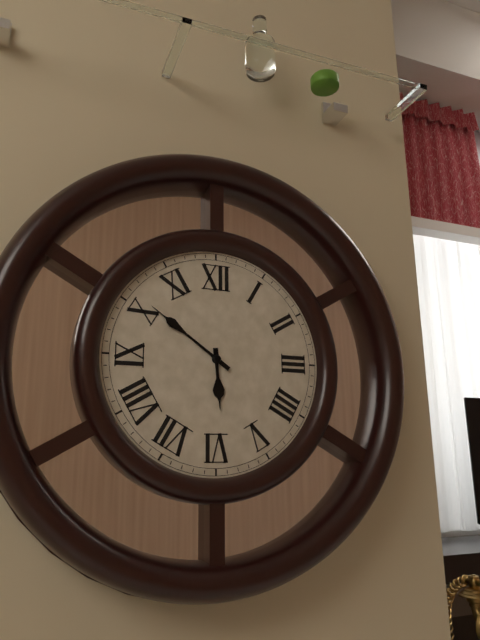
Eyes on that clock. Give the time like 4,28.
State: 5,51
